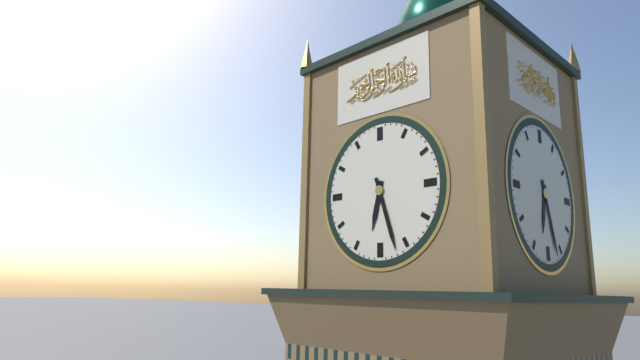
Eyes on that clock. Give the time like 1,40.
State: 6,27
